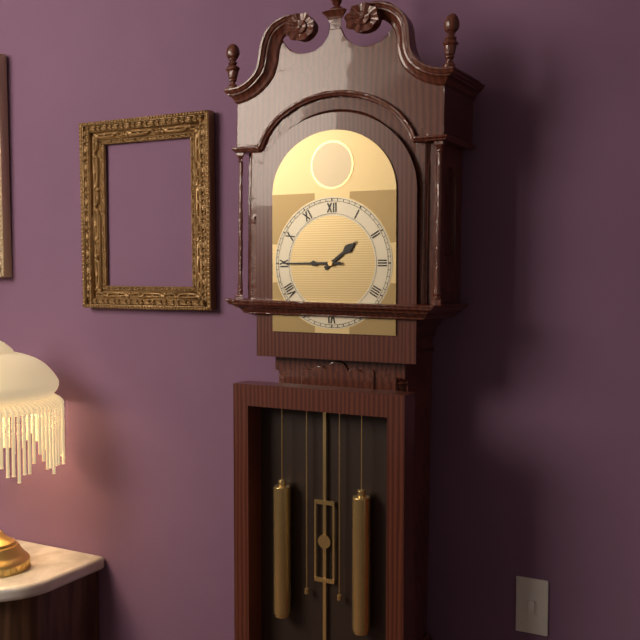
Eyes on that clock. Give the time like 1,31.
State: 1,45
